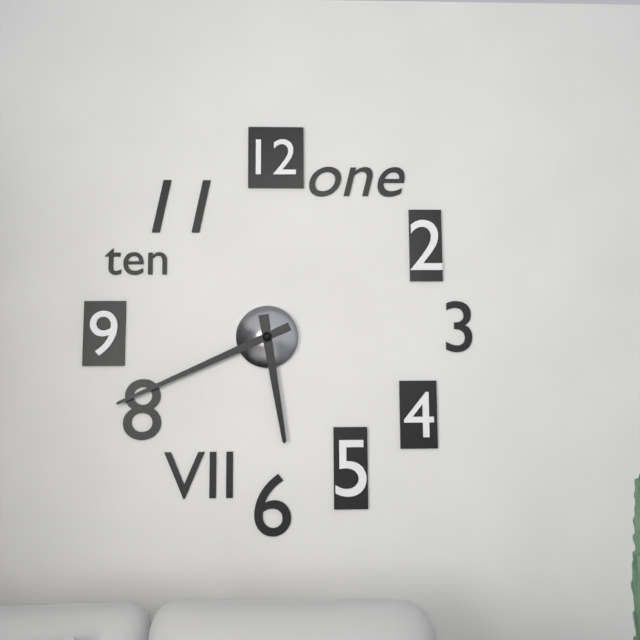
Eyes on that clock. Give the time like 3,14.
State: 5,41
